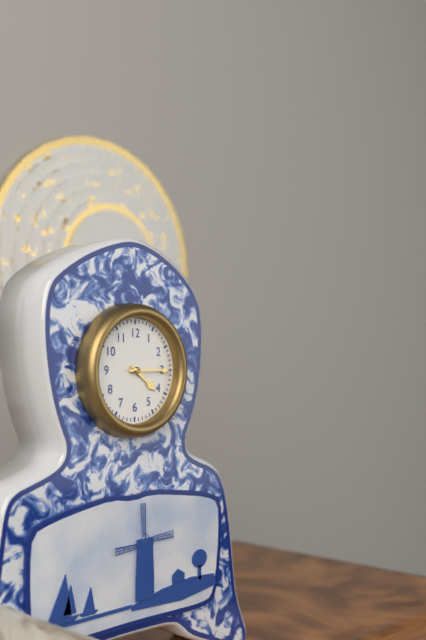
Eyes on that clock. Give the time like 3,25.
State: 4,15
